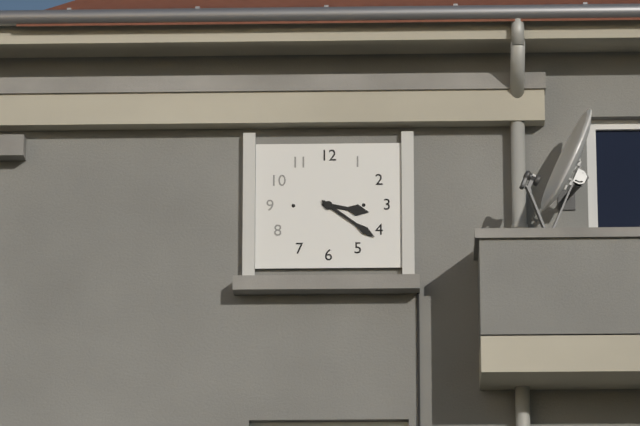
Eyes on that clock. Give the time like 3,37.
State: 3,21
